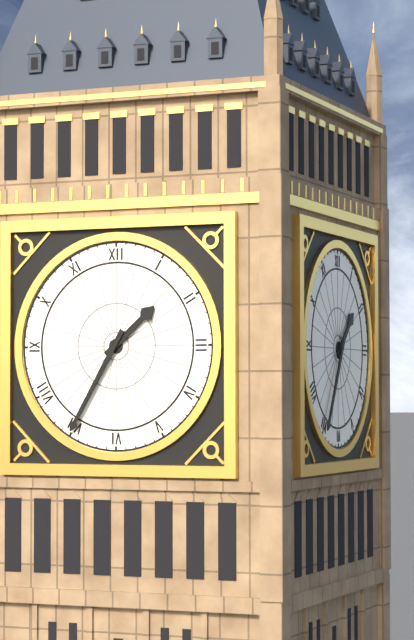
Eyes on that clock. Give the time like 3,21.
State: 1,35
